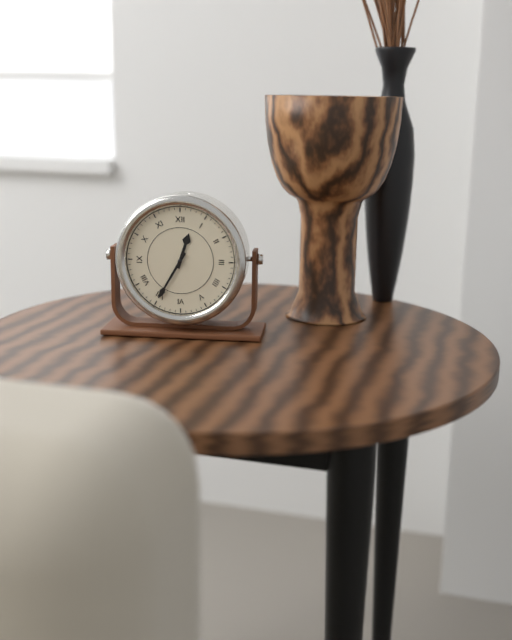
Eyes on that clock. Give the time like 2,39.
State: 12,35
